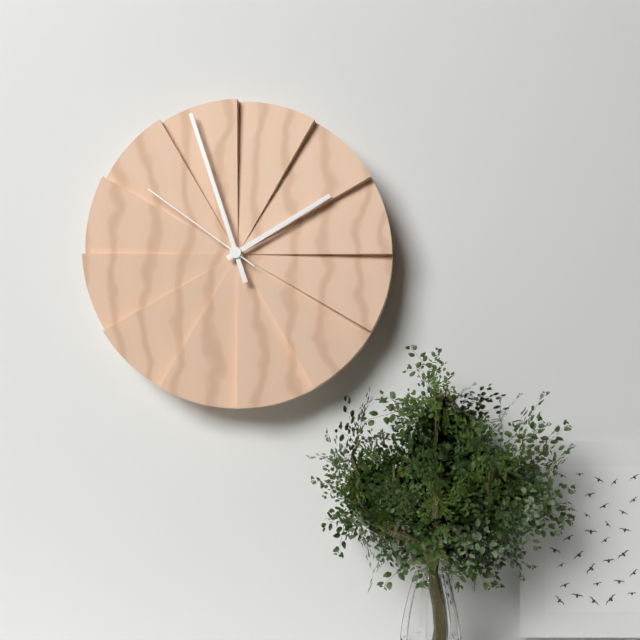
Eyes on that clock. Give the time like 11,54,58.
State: 1,57,51
